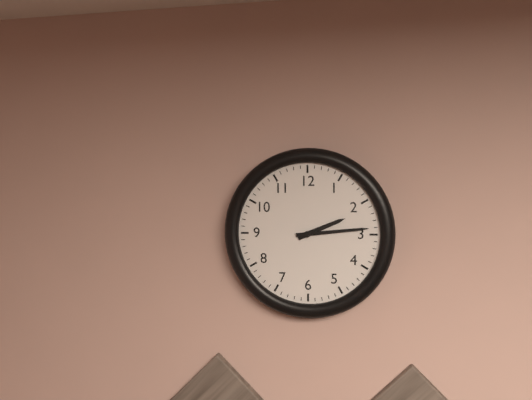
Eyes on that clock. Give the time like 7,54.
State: 2,14
